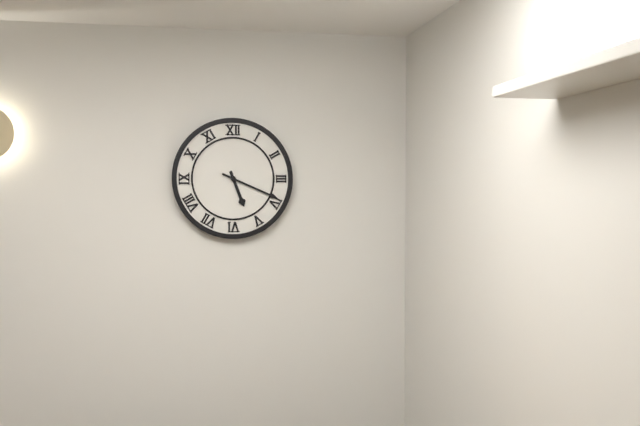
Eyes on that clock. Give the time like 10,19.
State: 5,19
